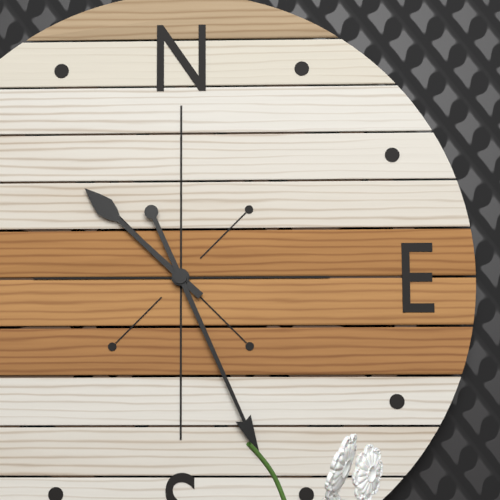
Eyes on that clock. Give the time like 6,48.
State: 10,26
